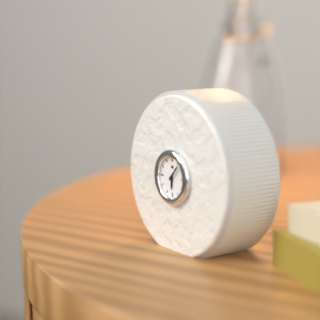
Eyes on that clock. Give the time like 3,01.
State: 6,07
